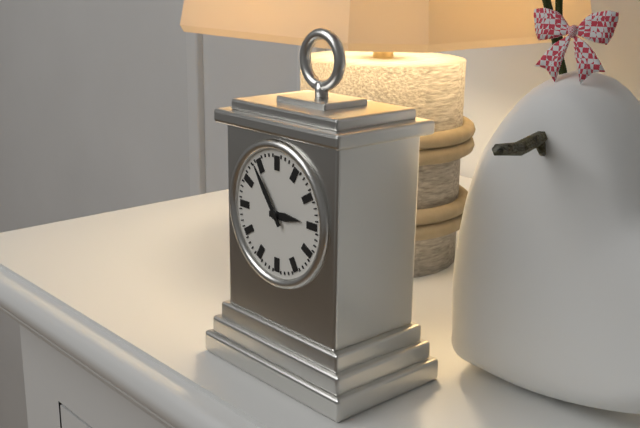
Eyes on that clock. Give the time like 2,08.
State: 2,54
